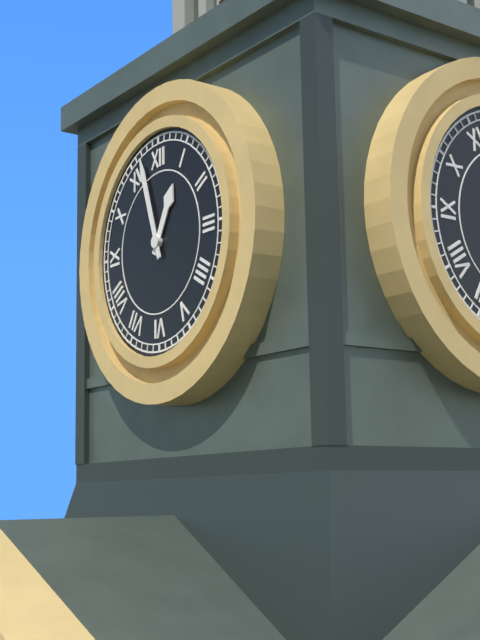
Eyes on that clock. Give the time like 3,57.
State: 12,57
